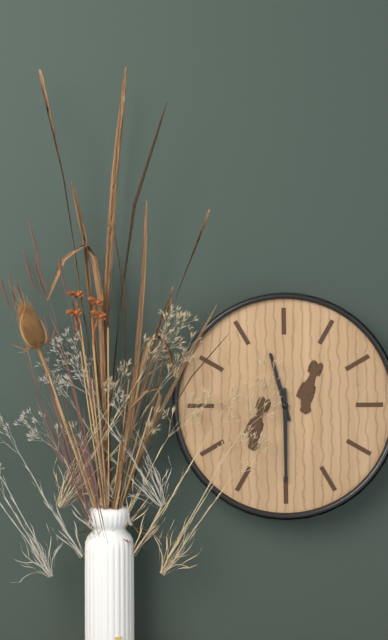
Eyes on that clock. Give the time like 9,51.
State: 11,30
